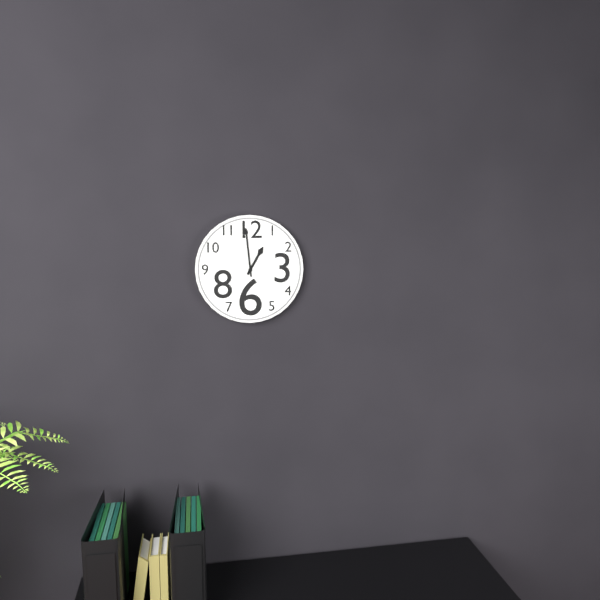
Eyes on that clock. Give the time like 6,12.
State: 12,59
